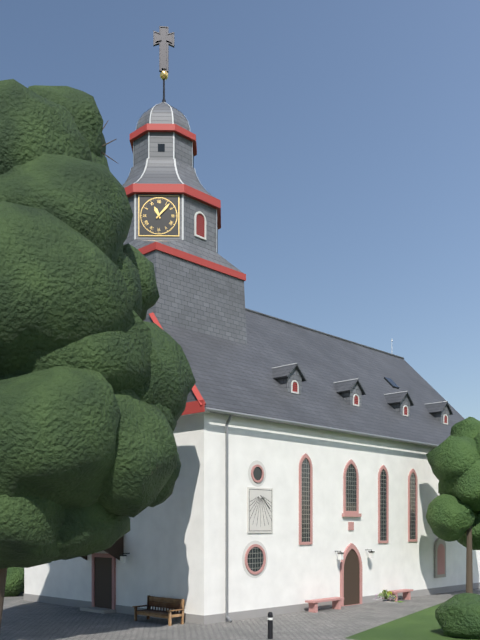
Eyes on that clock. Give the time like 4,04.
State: 11,07
